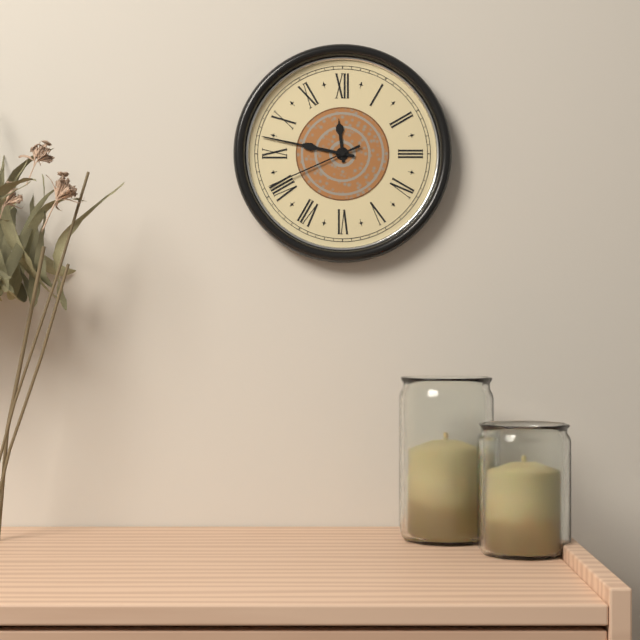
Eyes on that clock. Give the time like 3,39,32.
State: 11,47,41
